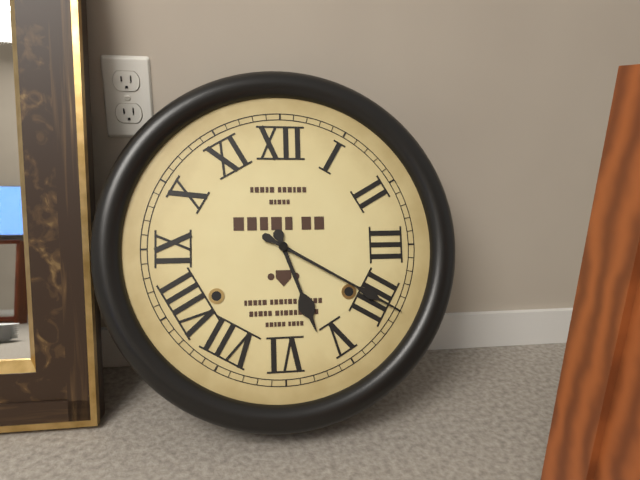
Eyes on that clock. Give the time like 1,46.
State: 5,20
